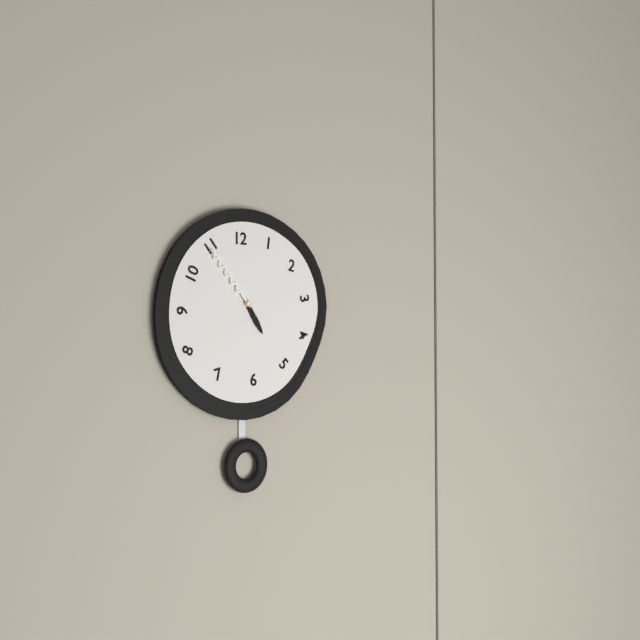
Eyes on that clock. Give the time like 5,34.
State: 4,53
